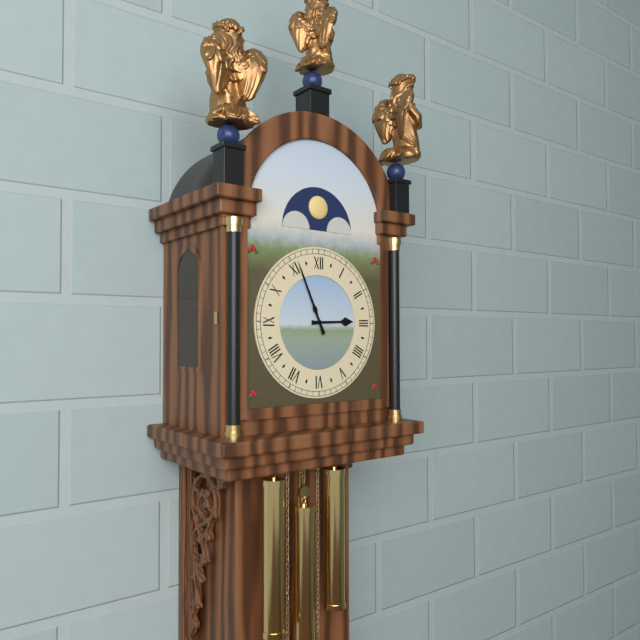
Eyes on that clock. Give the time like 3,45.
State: 2,56
